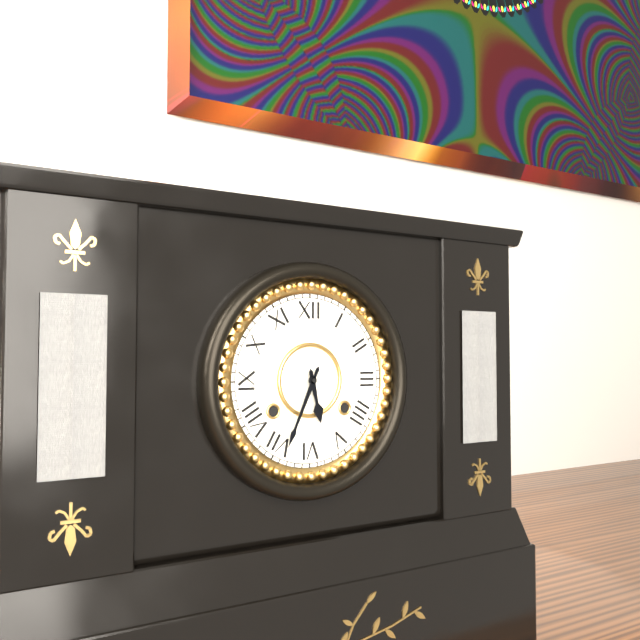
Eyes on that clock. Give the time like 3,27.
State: 5,34
